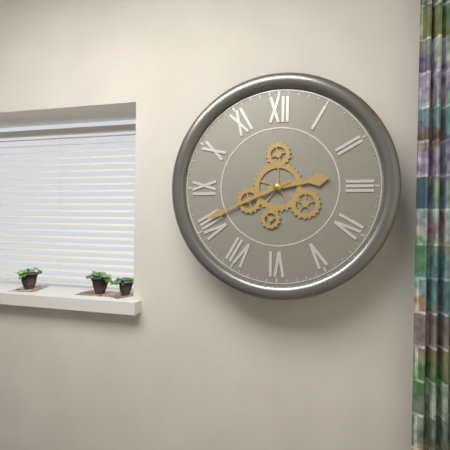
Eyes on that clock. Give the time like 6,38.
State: 2,41
